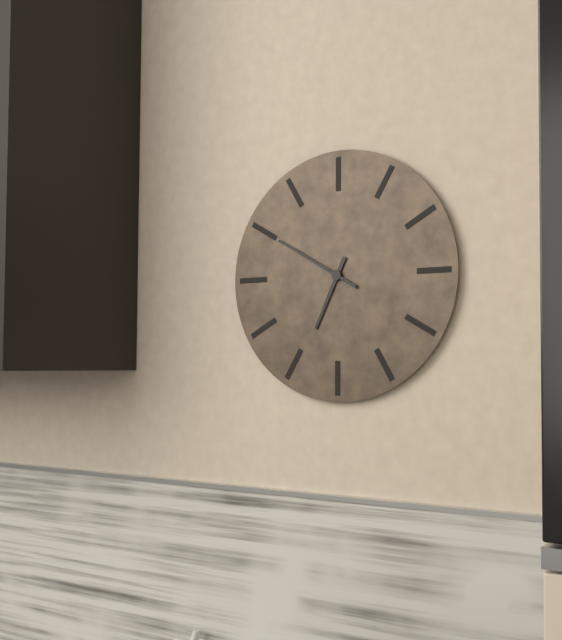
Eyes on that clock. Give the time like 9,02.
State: 6,50
